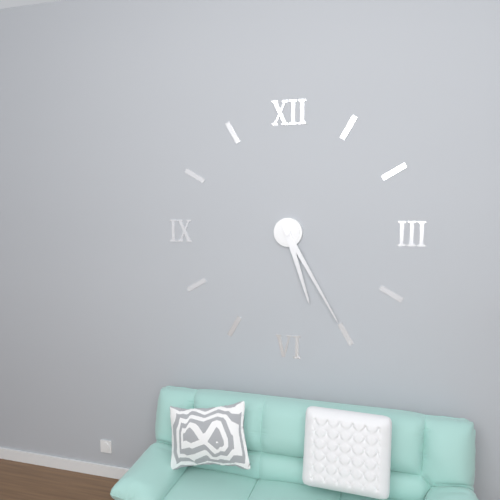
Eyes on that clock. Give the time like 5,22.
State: 5,25
